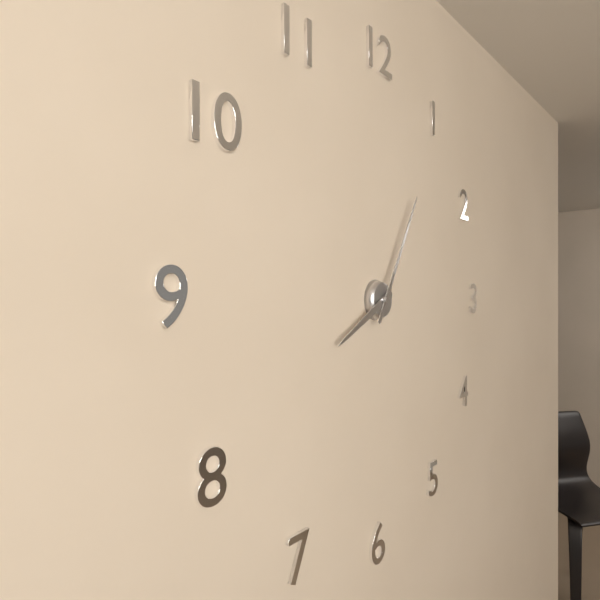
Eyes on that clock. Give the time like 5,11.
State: 8,05
